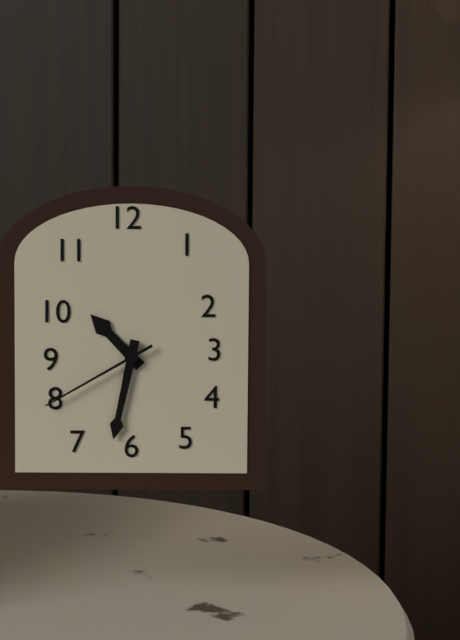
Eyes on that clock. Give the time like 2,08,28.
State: 10,32,40
